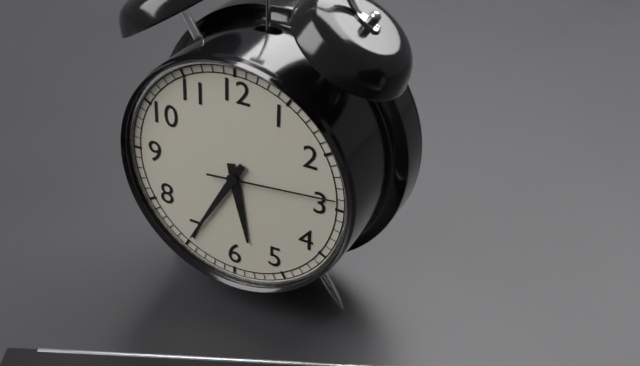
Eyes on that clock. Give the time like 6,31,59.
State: 5,35,14
